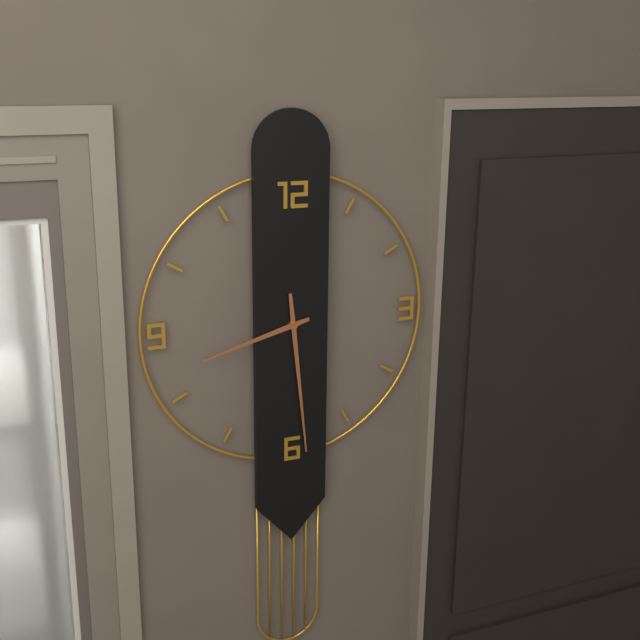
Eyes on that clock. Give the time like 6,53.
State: 8,29
